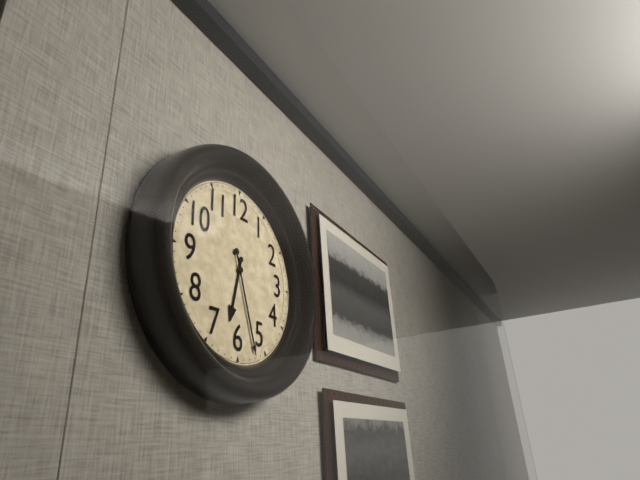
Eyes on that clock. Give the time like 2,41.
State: 6,27
